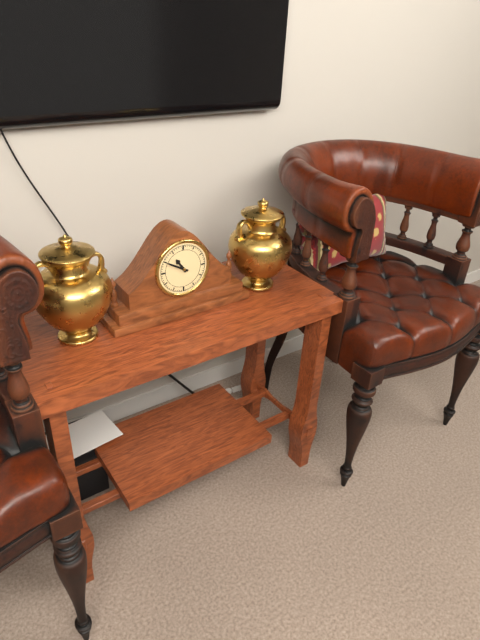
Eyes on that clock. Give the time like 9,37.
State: 10,50
